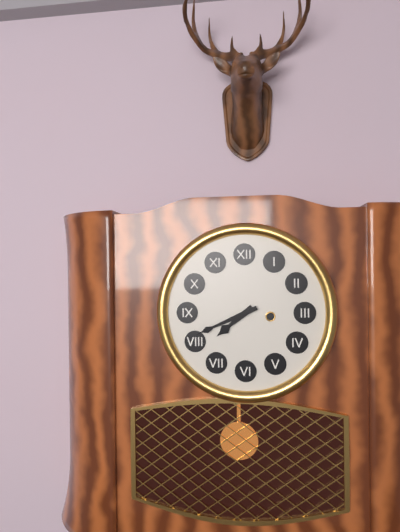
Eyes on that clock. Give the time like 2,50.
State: 7,41
